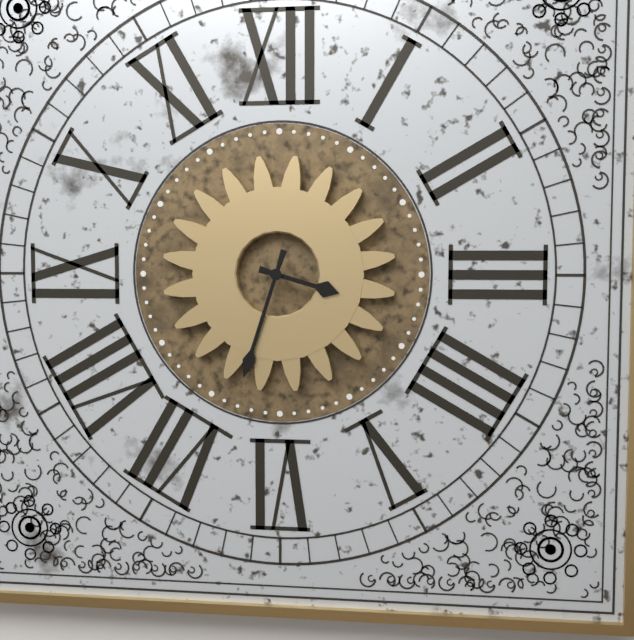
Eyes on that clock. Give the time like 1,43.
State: 3,33
